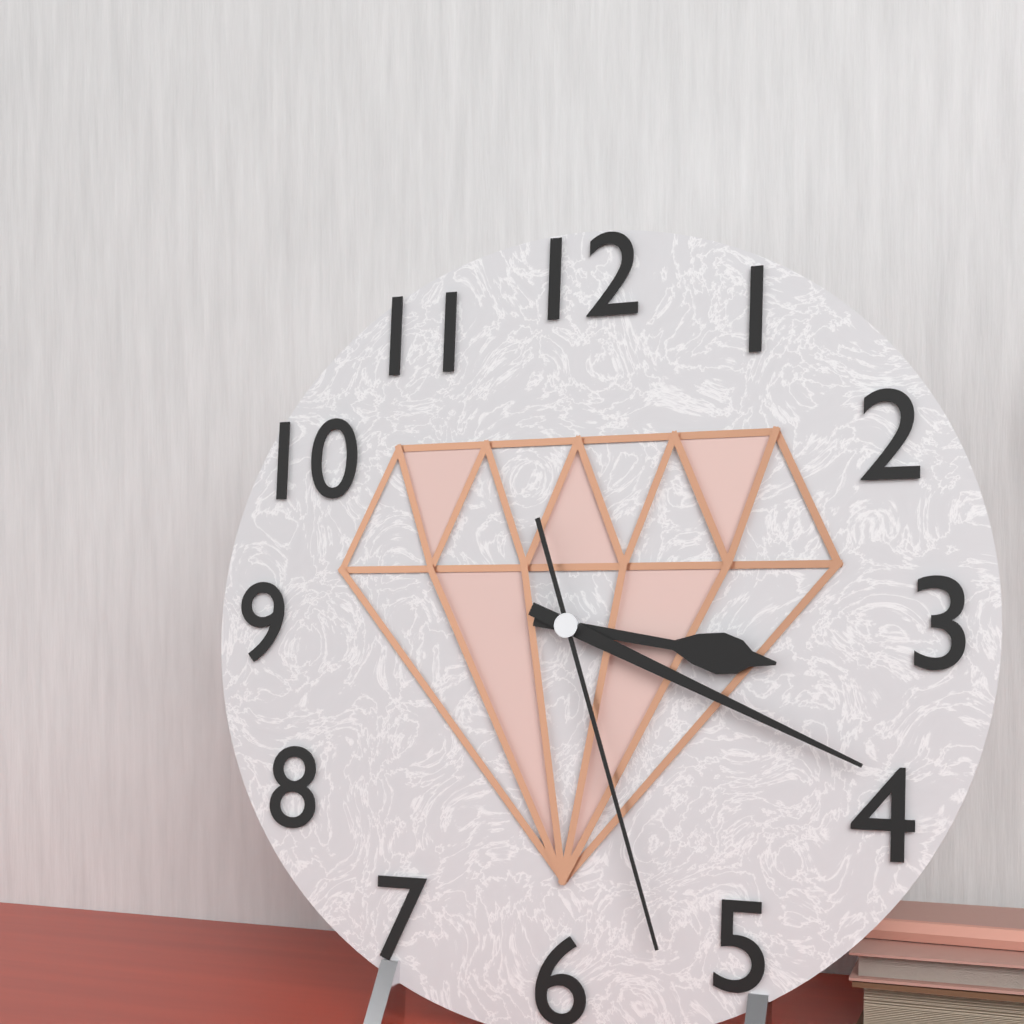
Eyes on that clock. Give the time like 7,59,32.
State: 3,19,27
